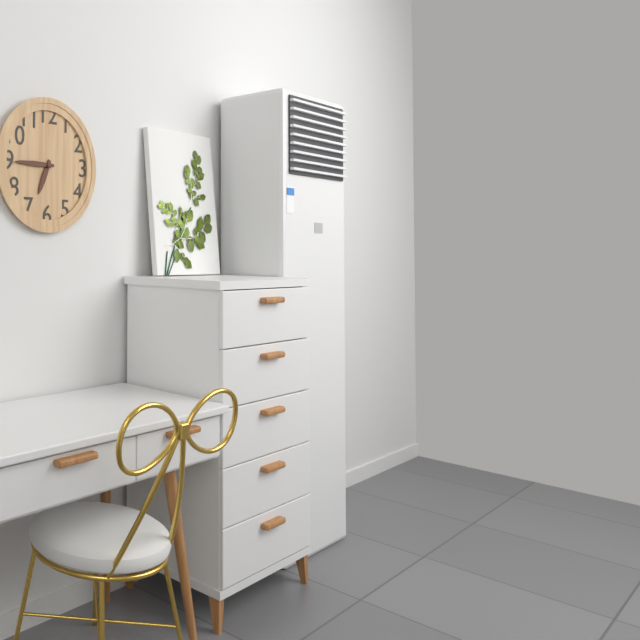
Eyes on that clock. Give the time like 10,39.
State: 6,45
